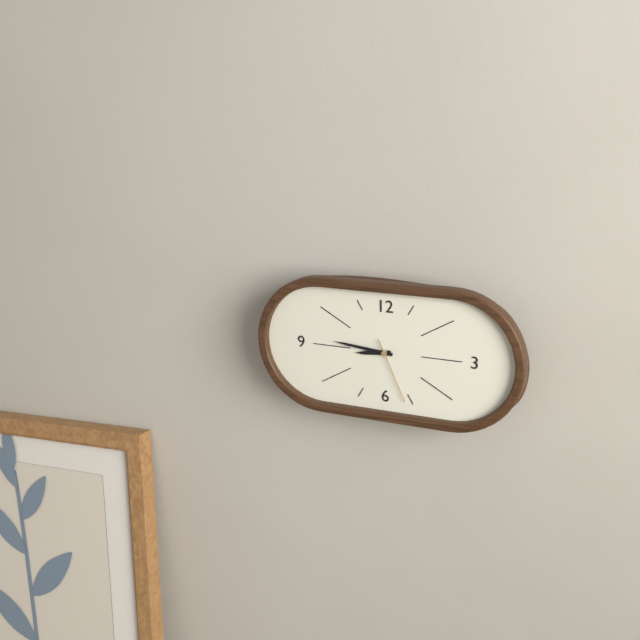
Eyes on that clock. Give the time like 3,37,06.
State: 8,46,26
